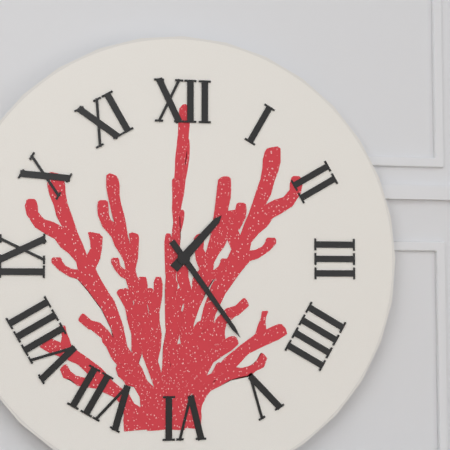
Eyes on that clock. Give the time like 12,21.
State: 1,24
